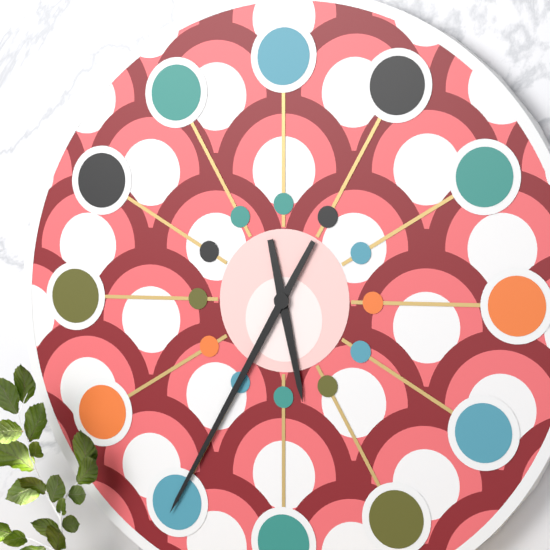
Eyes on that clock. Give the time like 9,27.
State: 5,35
